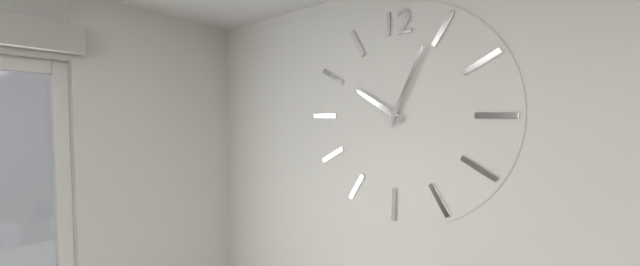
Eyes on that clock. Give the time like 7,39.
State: 10,04
